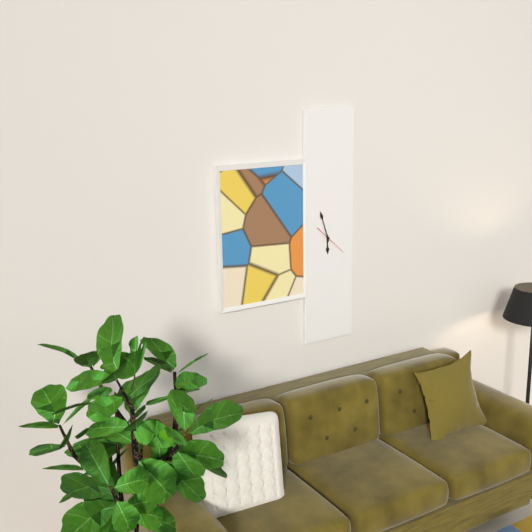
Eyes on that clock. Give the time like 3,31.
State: 5,57
